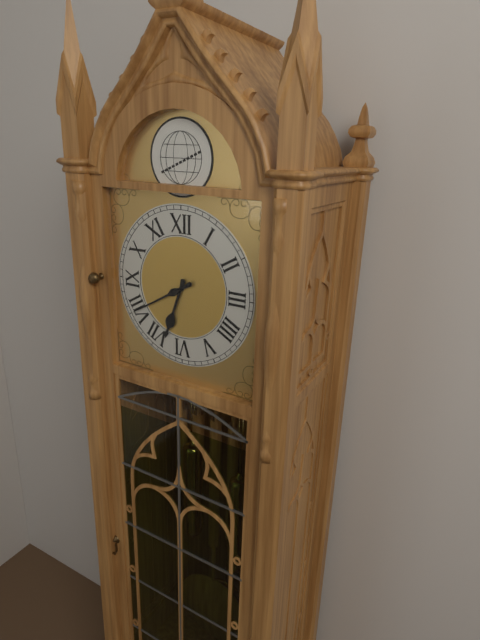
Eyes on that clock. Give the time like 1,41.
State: 6,40
